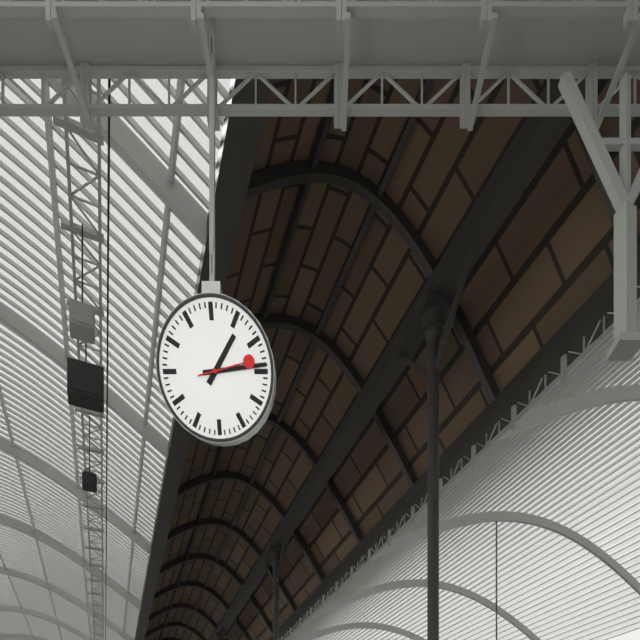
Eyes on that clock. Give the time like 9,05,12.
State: 1,14,13
